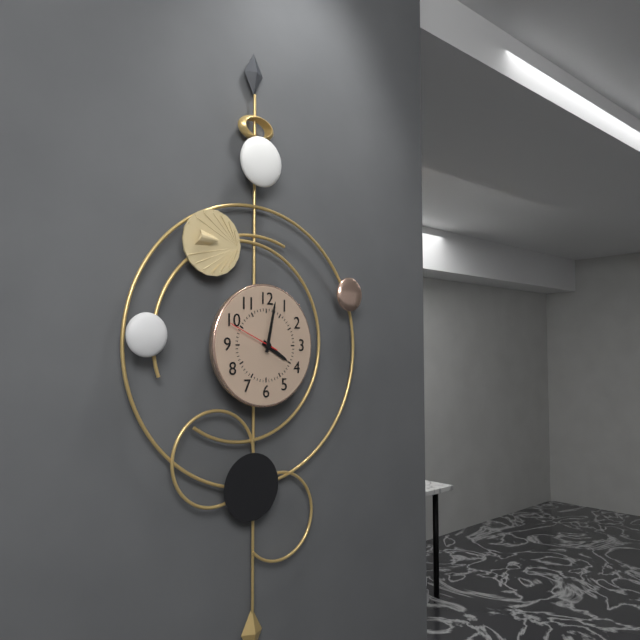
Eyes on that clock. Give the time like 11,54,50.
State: 4,02,49
